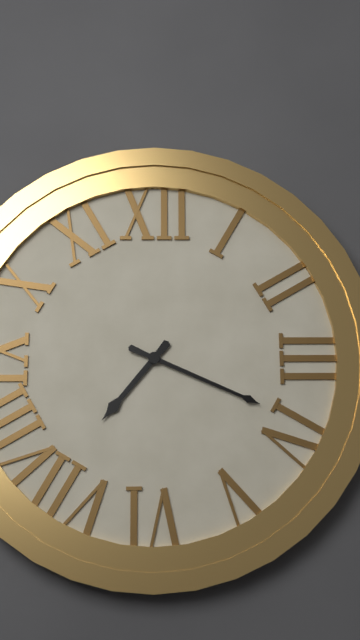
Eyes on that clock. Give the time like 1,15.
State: 7,19
